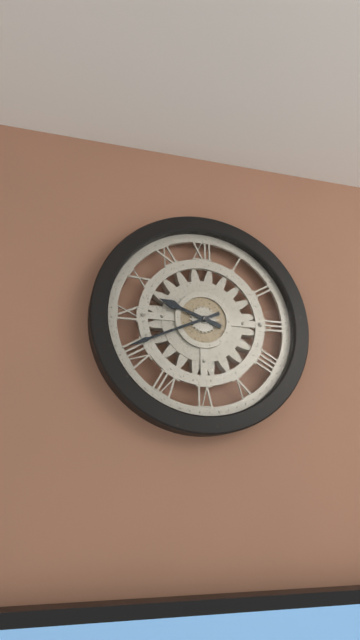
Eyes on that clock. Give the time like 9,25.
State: 9,41
